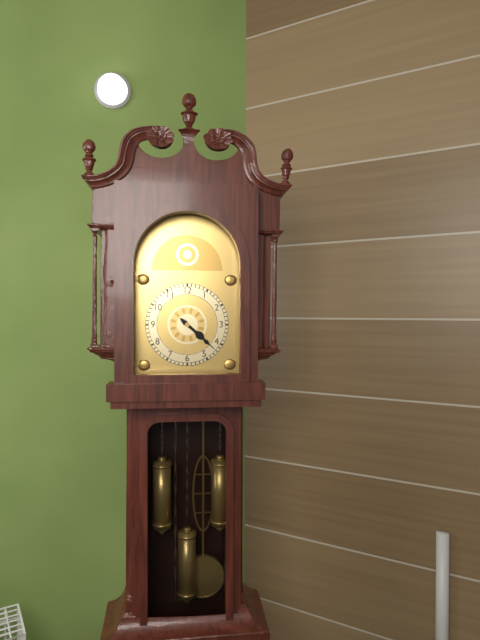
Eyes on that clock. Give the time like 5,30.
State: 4,22
